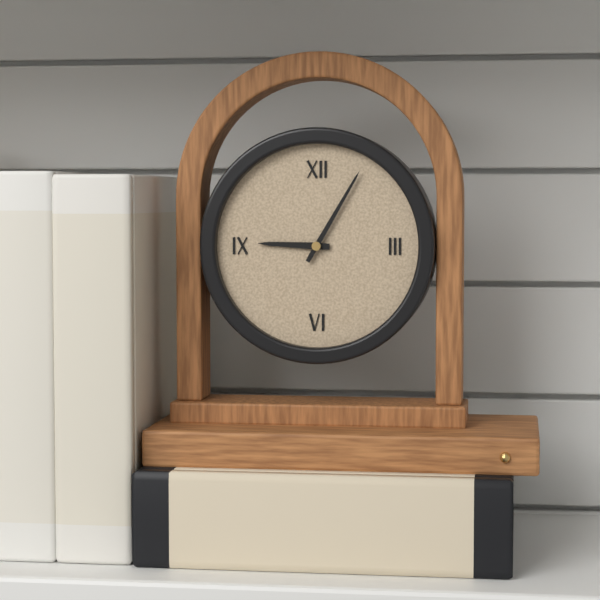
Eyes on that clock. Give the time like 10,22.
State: 9,05
